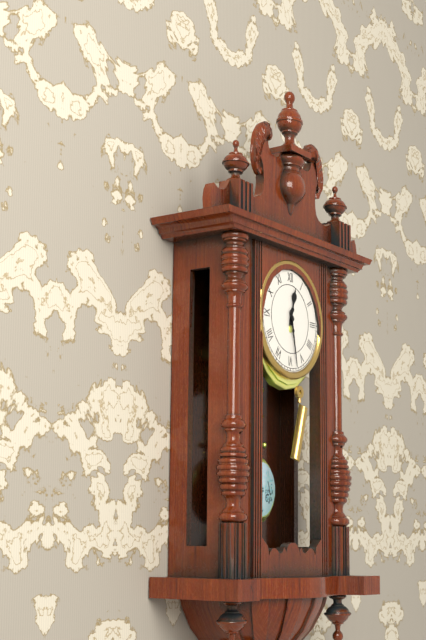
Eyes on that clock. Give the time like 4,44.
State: 12,28
